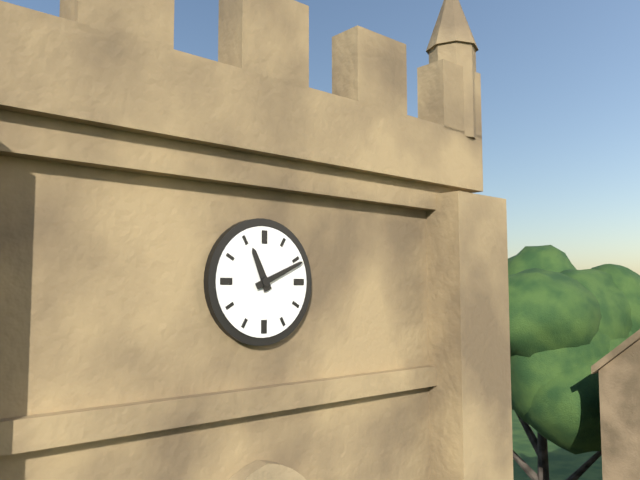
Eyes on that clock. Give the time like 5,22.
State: 11,11
